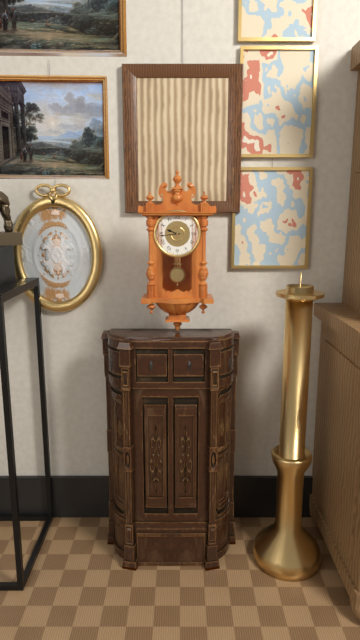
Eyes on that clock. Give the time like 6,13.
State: 9,44
